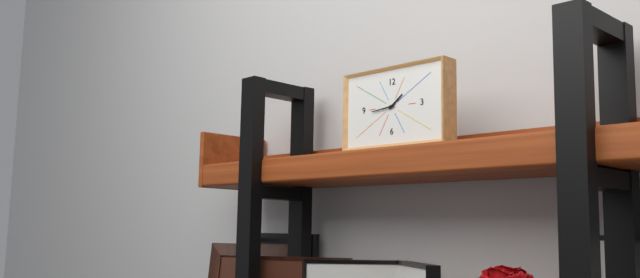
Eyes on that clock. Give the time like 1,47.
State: 1,44
